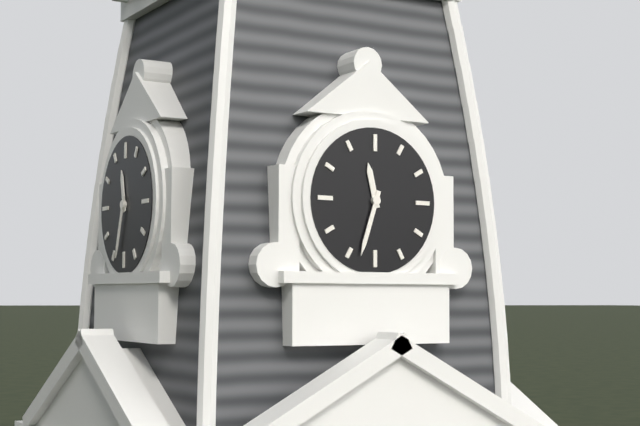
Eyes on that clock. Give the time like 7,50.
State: 11,33
